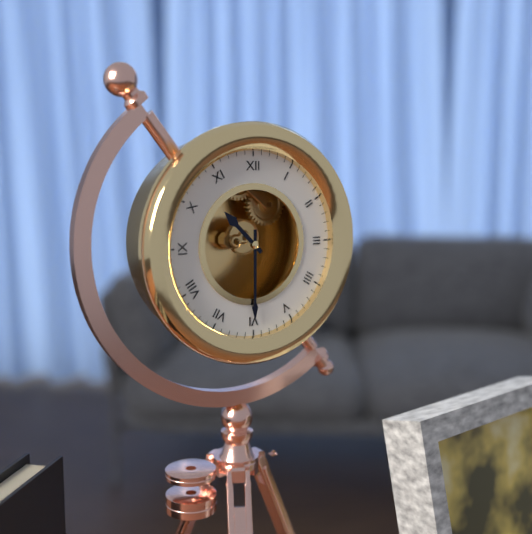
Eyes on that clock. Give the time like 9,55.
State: 10,30
